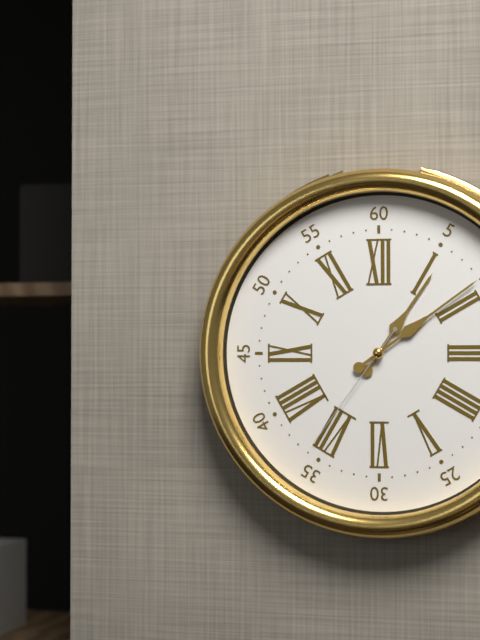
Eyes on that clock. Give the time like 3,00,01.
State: 1,09,36
